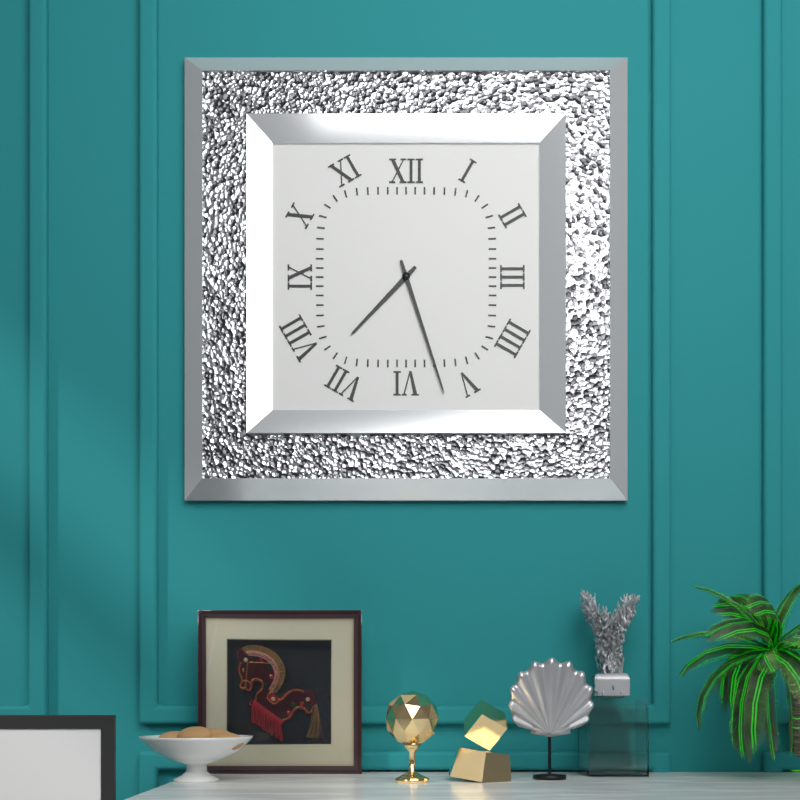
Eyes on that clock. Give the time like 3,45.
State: 7,27
